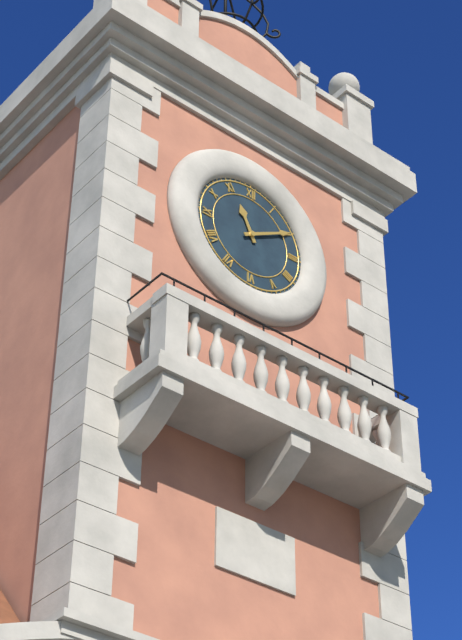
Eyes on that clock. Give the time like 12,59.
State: 11,10
